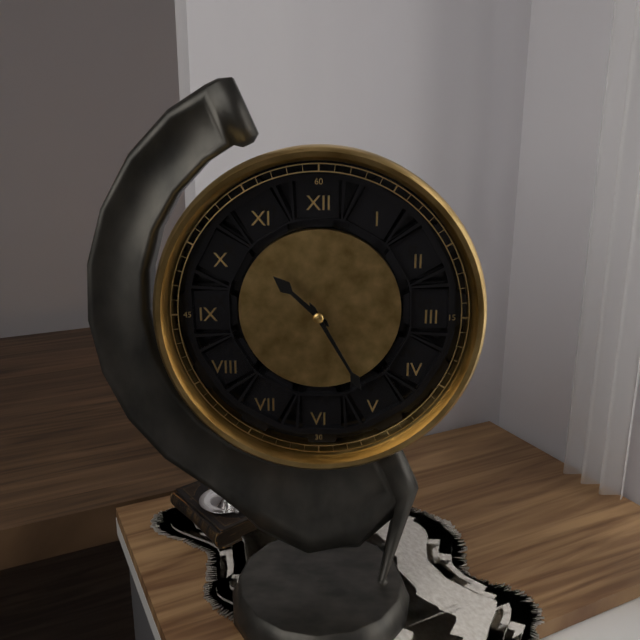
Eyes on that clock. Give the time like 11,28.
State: 10,25
